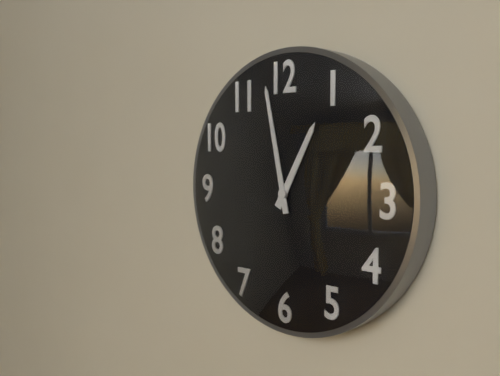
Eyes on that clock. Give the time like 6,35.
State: 12,58
